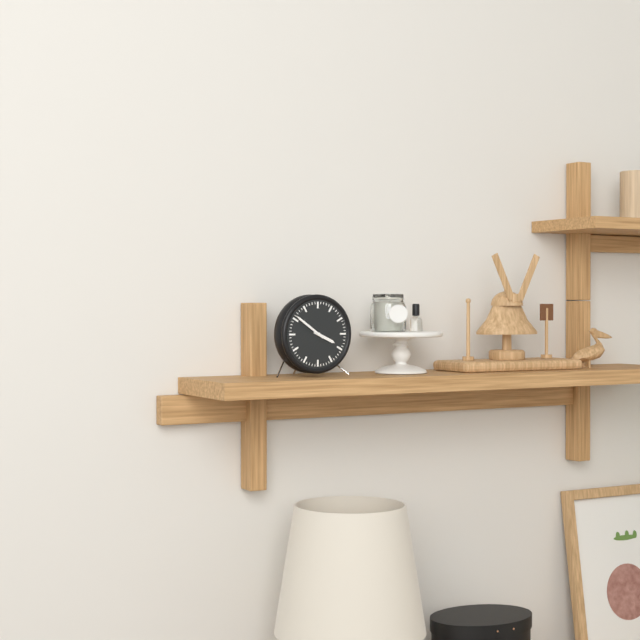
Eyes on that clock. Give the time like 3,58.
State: 3,51
